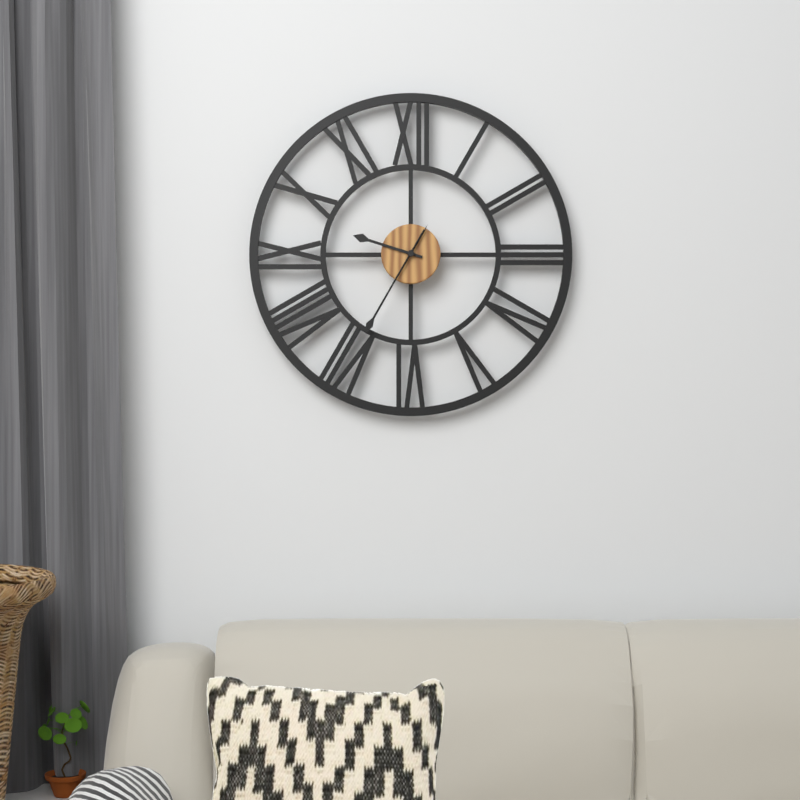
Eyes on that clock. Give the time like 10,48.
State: 9,35
